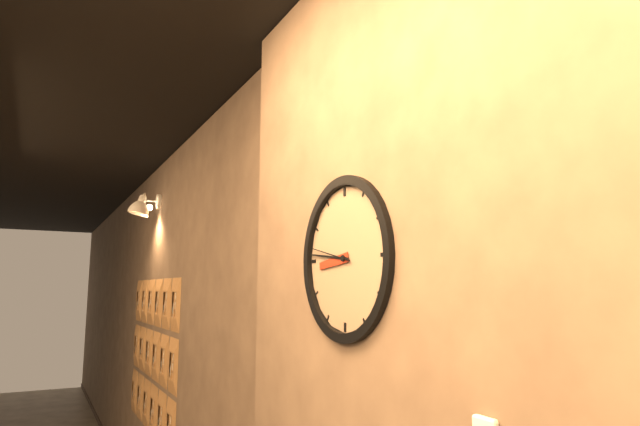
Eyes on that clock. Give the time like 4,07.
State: 8,46
